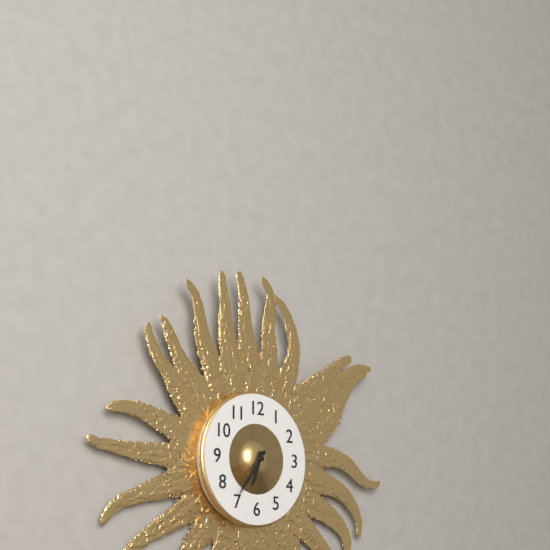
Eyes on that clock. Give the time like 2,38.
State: 6,36
